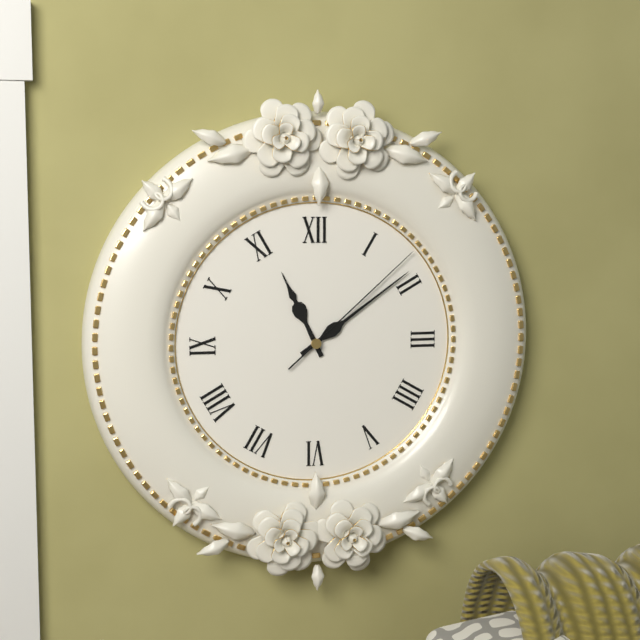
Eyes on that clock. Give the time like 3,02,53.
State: 11,09,08
